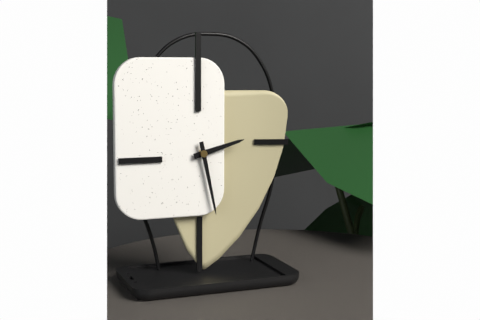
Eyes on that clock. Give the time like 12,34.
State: 2,28
